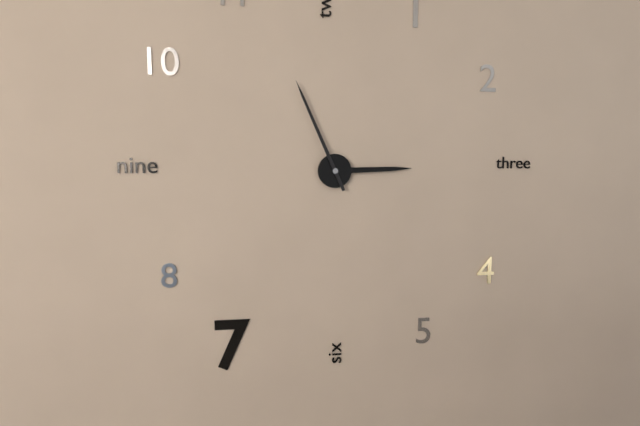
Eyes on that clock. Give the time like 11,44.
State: 2,56
